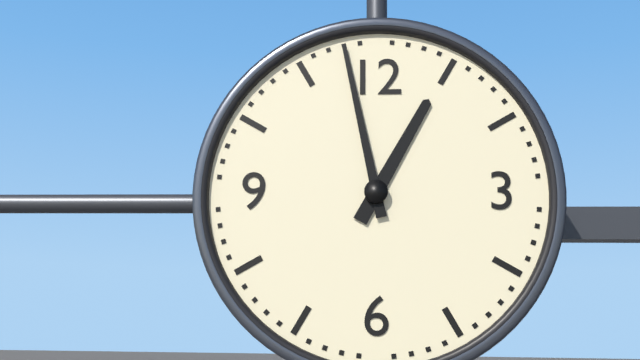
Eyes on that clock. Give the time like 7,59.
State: 12,58
